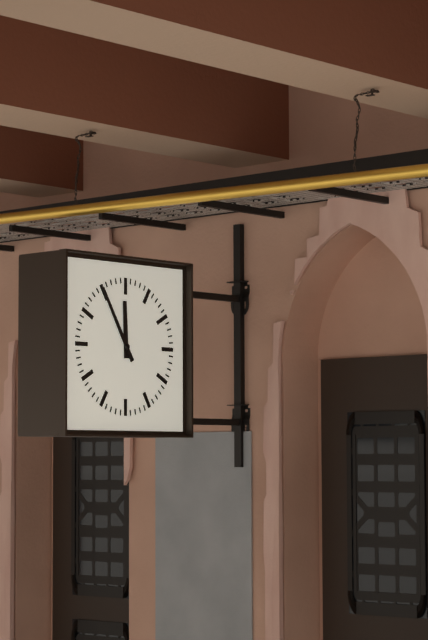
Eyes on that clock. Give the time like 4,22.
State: 11,55
